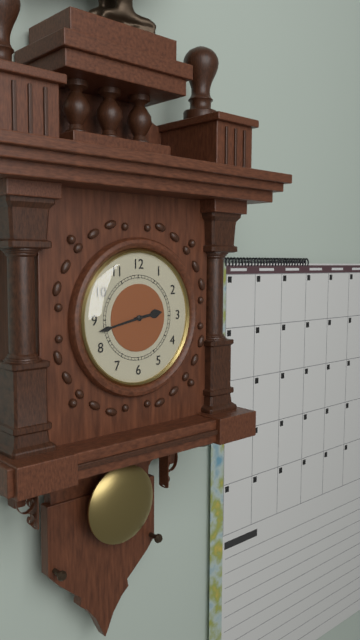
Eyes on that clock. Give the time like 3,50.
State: 2,43
